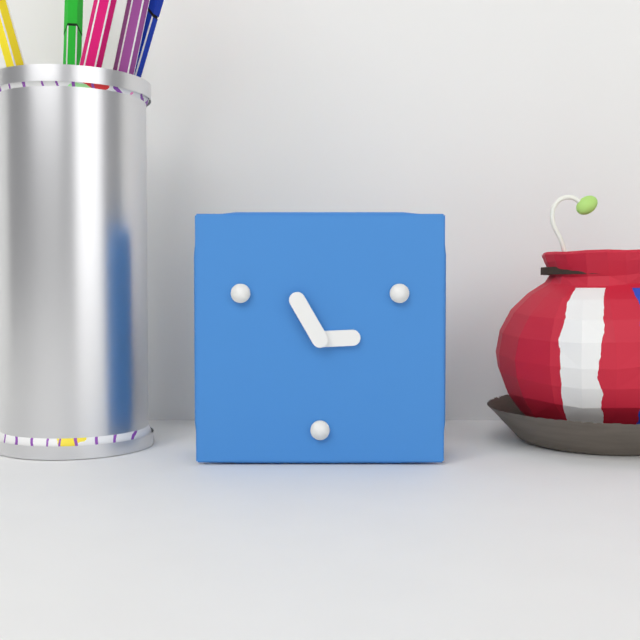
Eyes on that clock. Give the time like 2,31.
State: 2,55
